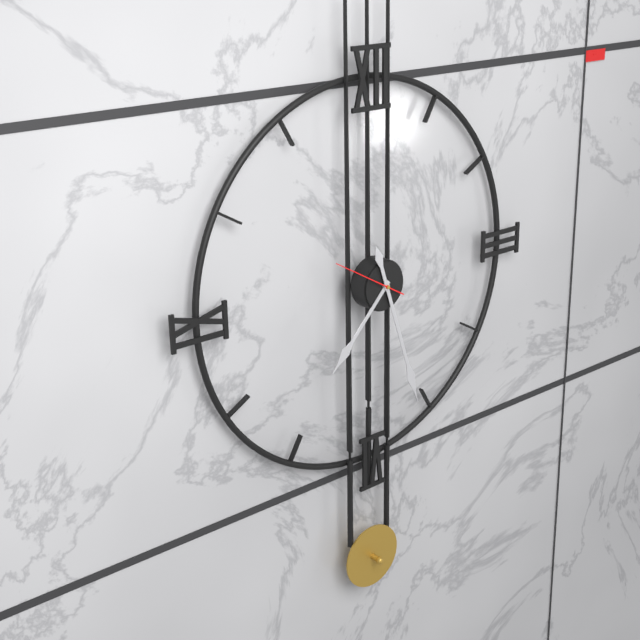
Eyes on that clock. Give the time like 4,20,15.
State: 7,27,50
